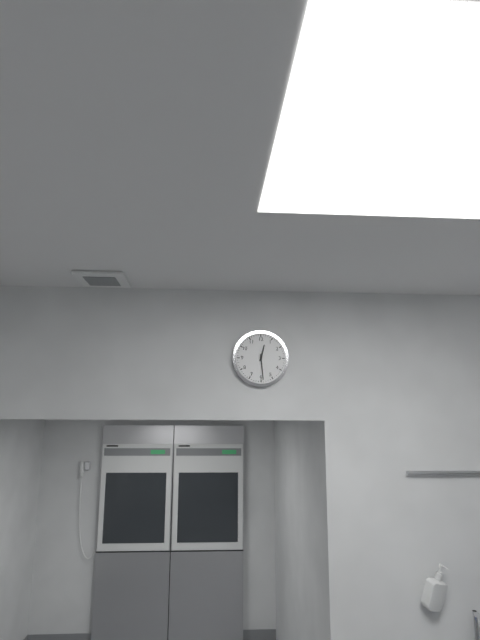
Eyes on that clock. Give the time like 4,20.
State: 12,29
